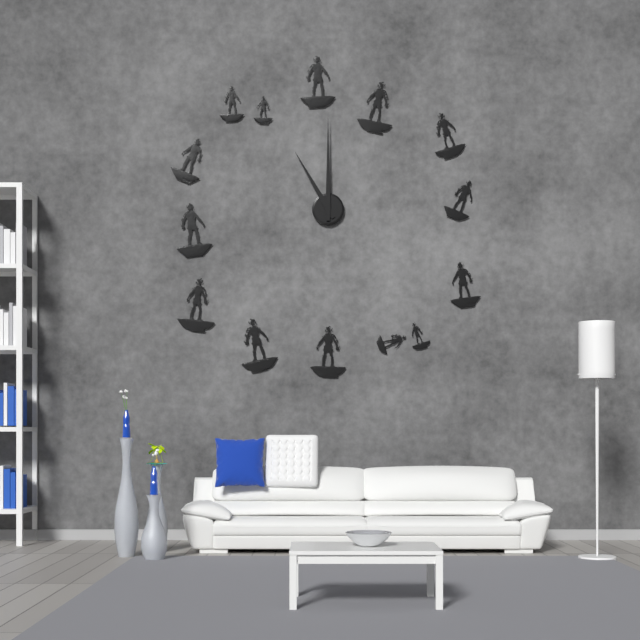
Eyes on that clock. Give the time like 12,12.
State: 11,00
